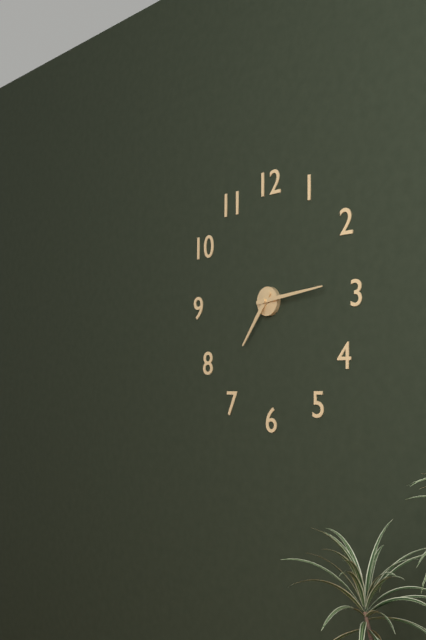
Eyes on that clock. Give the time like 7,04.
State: 7,14
